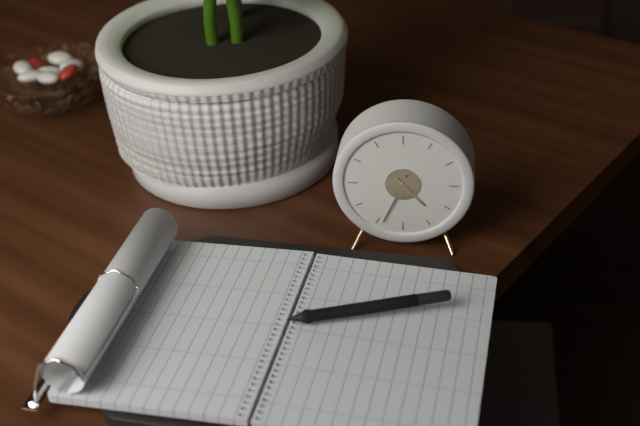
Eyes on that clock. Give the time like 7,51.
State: 4,34
